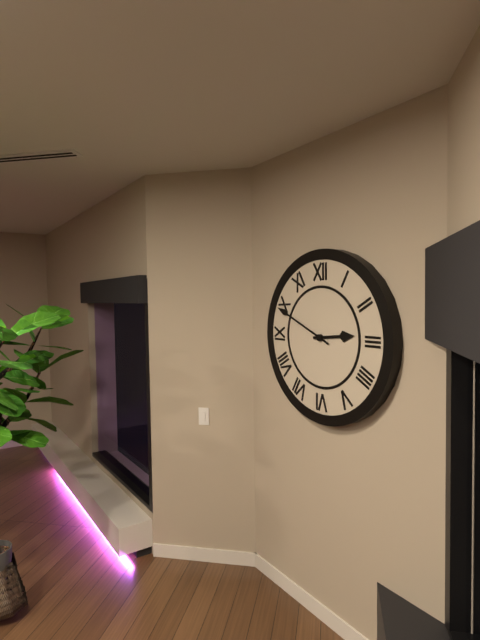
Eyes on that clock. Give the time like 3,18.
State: 2,49
